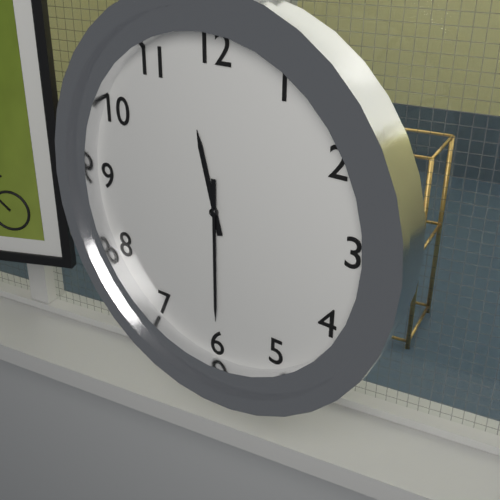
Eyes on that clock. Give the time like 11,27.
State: 11,30
